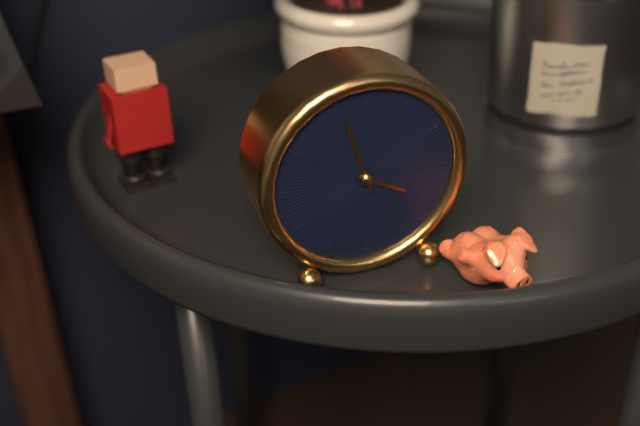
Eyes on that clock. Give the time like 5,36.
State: 3,57
